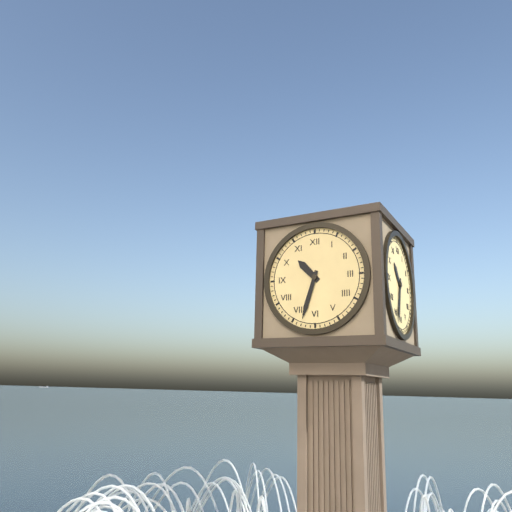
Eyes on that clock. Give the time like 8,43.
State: 10,33
